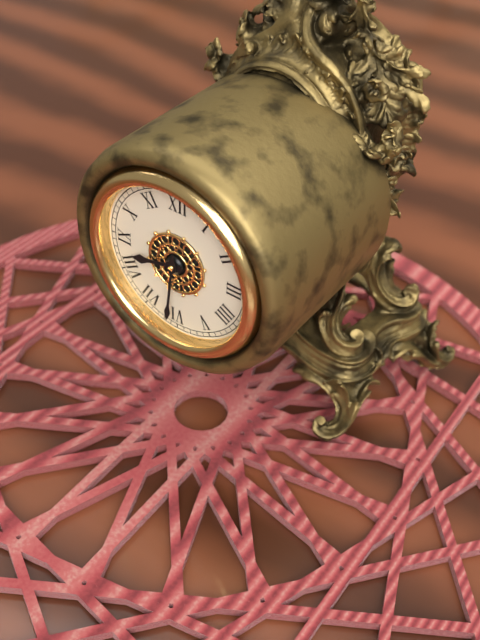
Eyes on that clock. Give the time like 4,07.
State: 8,31
